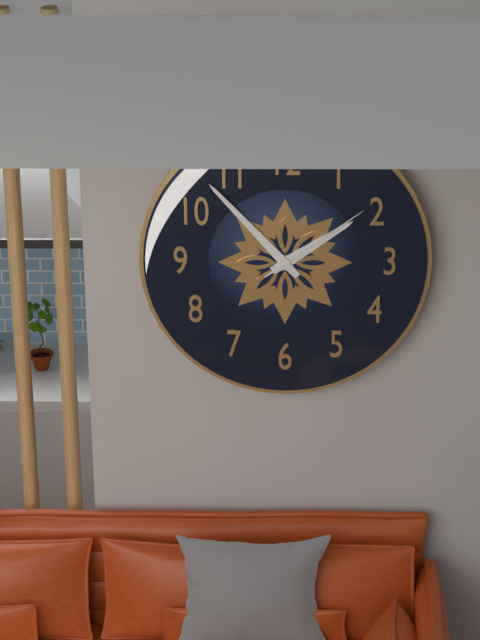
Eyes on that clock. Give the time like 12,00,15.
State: 1,53,09
